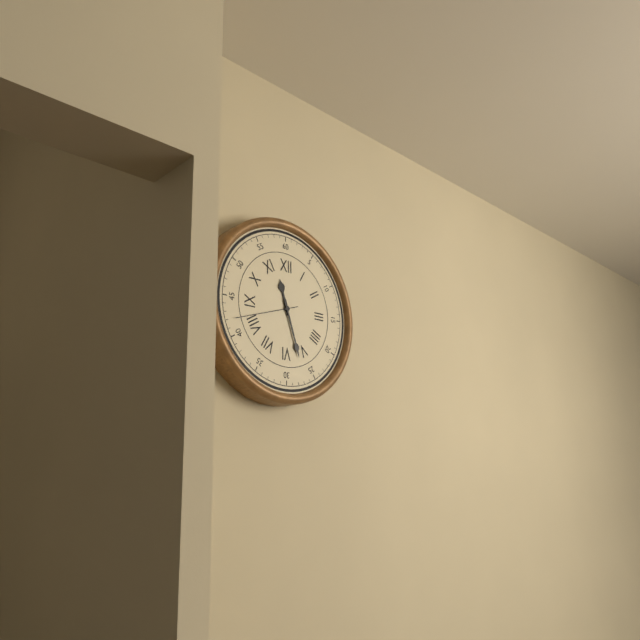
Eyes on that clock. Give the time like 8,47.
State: 11,27
